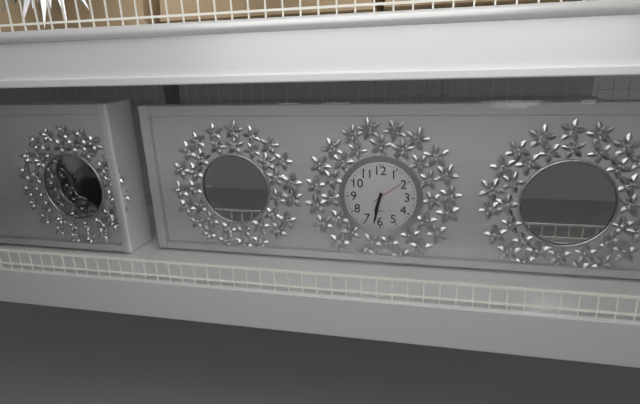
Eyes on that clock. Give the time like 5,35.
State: 6,32
